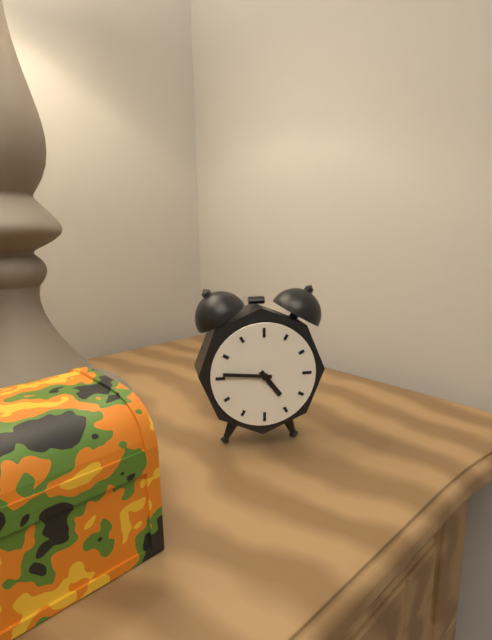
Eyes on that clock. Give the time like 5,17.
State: 4,46
